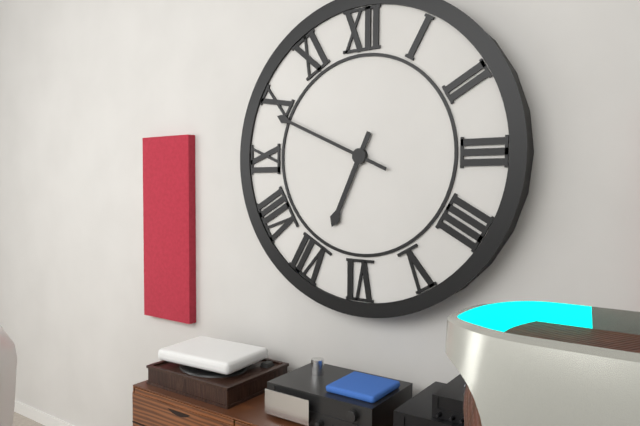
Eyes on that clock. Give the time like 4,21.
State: 6,49
